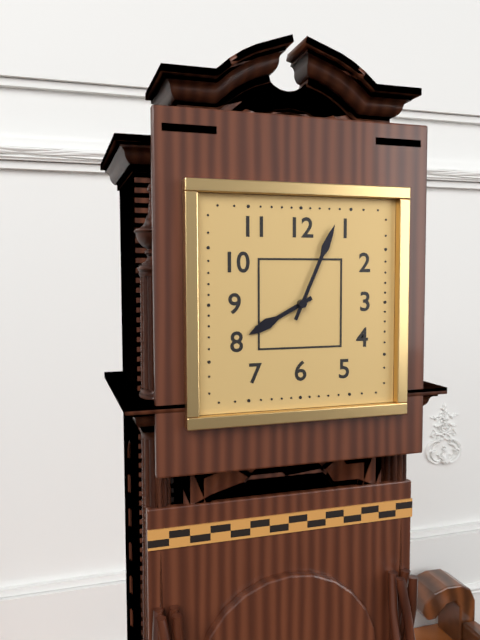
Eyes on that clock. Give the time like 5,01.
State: 8,04
